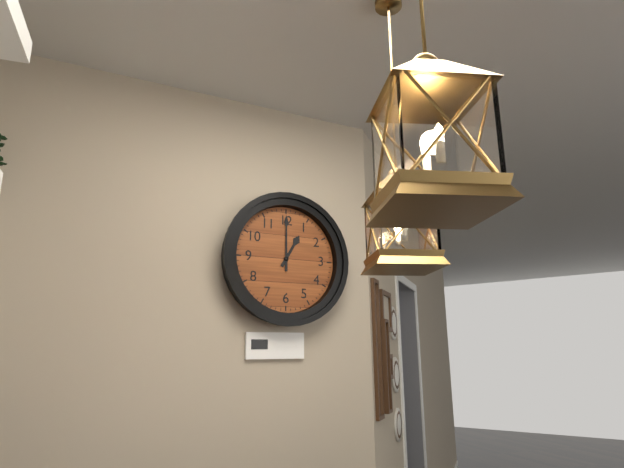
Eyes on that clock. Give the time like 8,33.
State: 1,00
